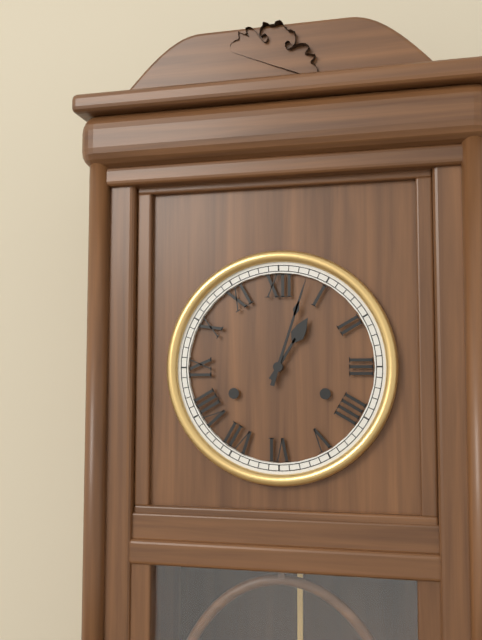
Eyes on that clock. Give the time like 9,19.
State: 1,03
